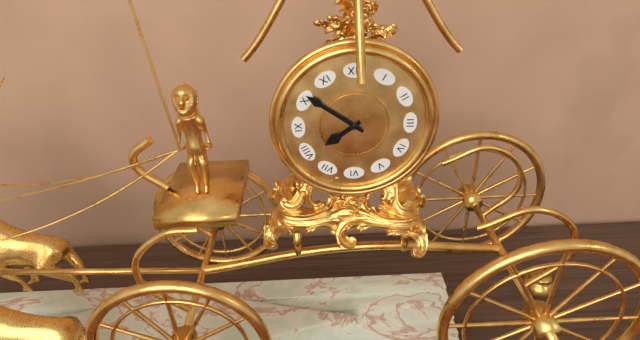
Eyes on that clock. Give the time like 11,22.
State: 7,51
